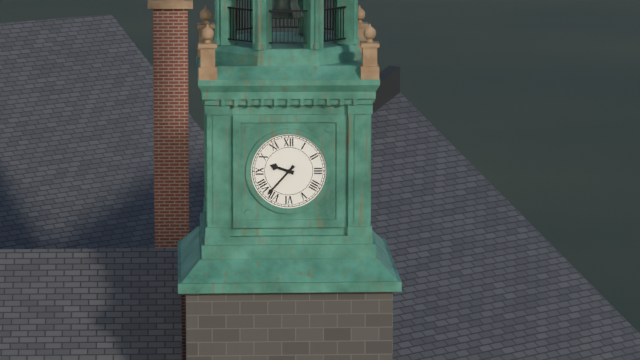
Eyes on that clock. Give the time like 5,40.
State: 9,37
